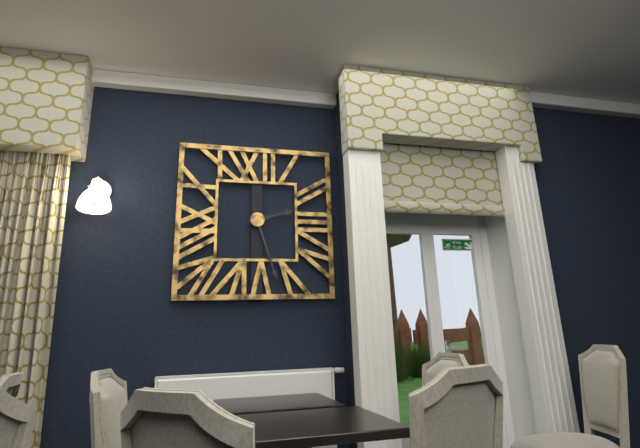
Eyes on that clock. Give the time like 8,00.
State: 2,27
